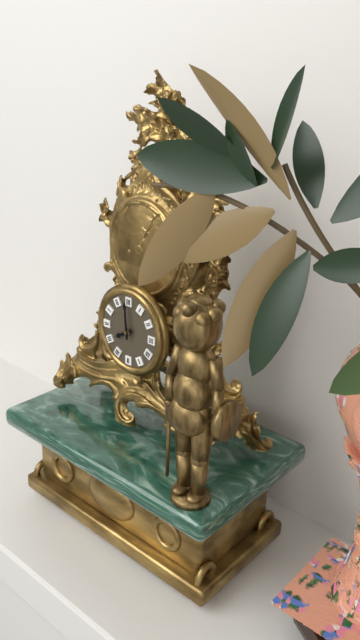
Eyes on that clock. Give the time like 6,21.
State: 7,59
